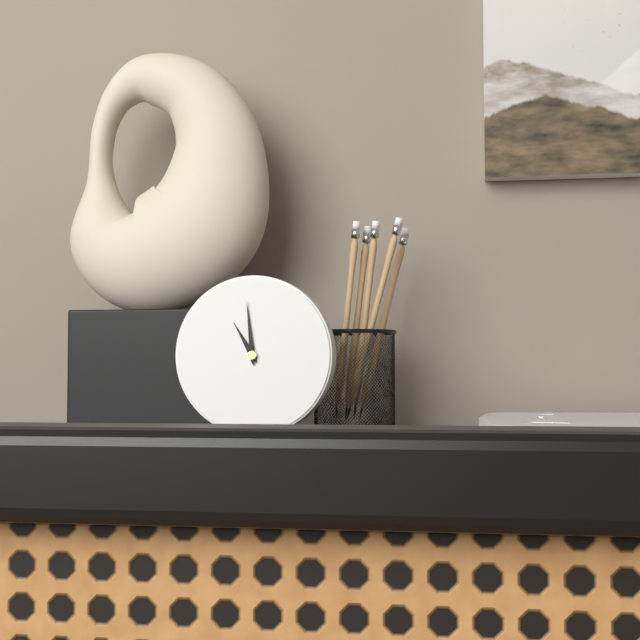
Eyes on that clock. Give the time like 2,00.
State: 10,59
